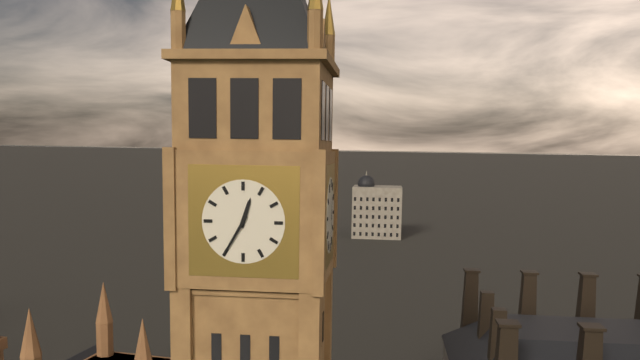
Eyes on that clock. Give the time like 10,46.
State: 12,35
